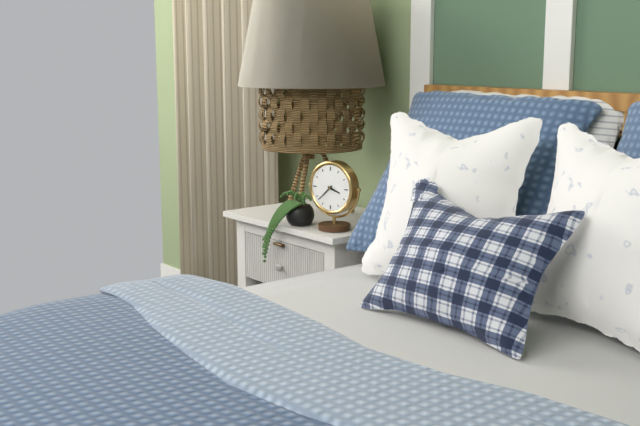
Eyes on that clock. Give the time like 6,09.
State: 3,38
